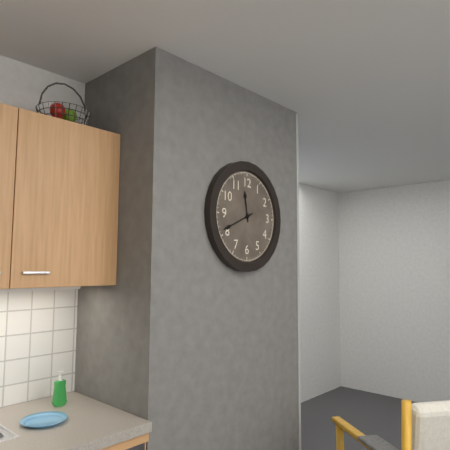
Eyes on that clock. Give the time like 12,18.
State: 11,41
